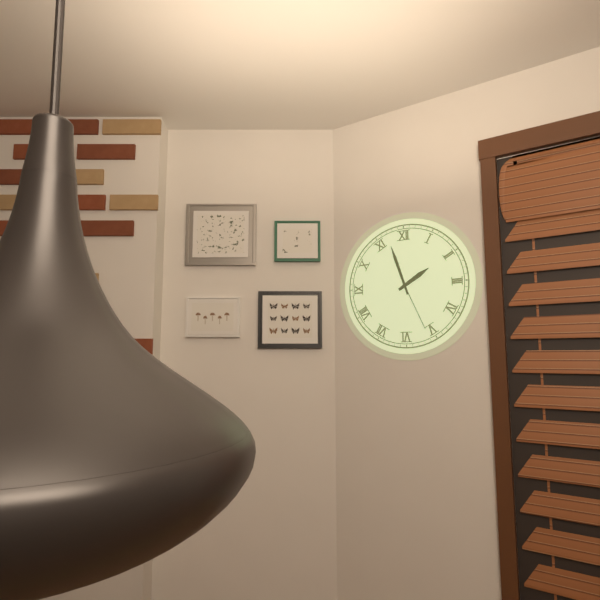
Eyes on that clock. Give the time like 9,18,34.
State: 1,57,26
